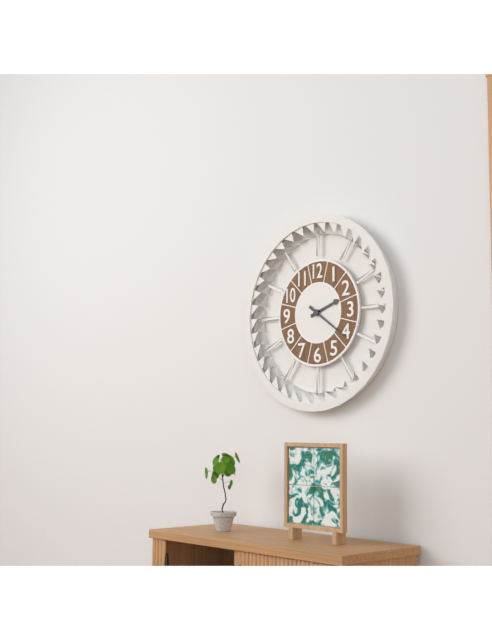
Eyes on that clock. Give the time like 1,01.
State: 2,21
